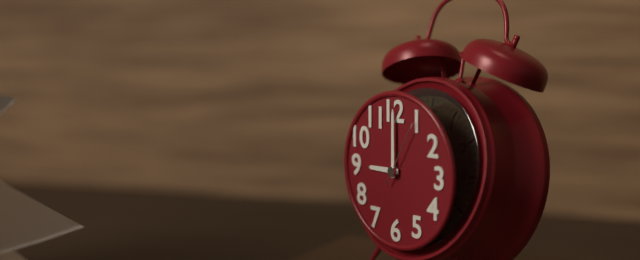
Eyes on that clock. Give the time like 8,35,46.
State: 9,00,05
